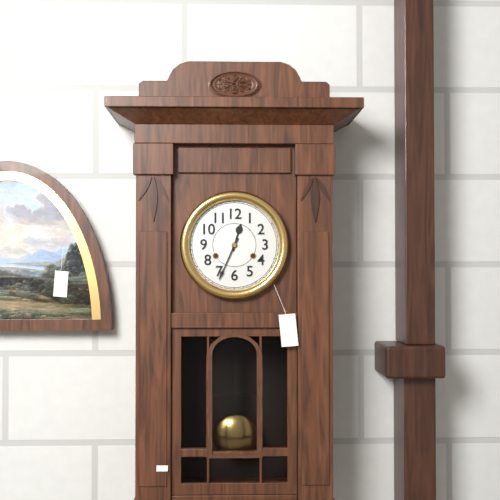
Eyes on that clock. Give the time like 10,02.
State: 12,34
